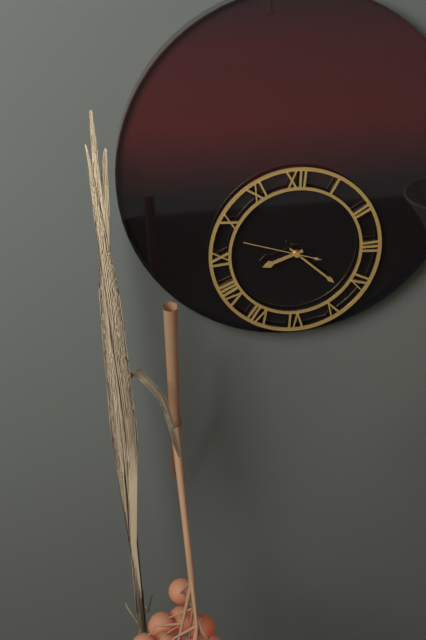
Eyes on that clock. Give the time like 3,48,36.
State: 8,22,48
